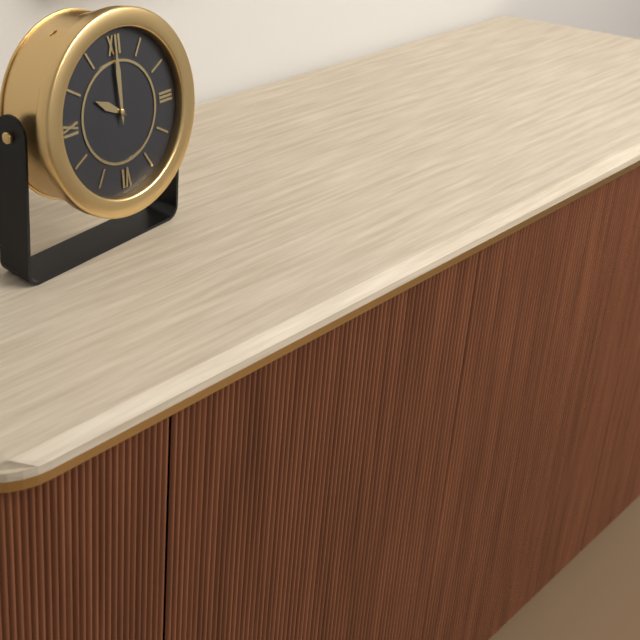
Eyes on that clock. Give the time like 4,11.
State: 10,00
